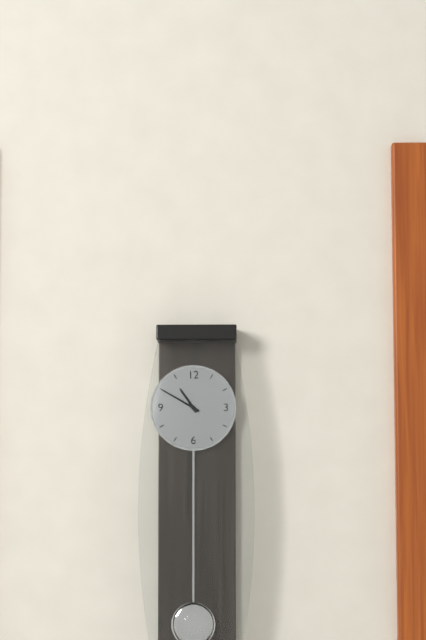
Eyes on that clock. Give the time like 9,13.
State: 10,50
